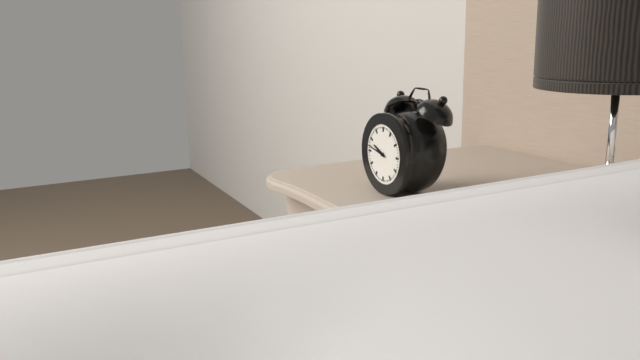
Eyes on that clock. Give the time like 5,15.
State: 9,47
